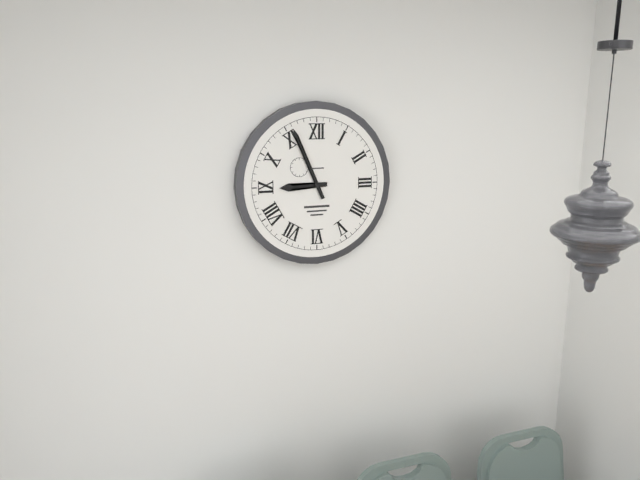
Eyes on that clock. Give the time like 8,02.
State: 8,56
